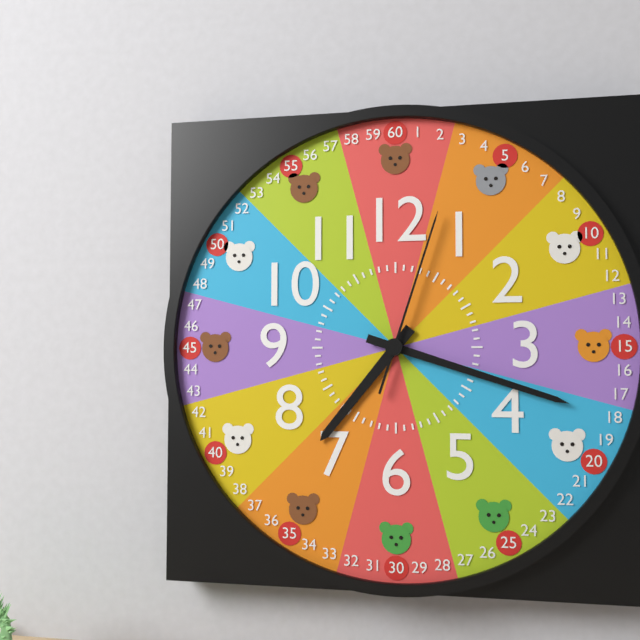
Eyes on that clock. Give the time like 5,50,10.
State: 7,18,03
